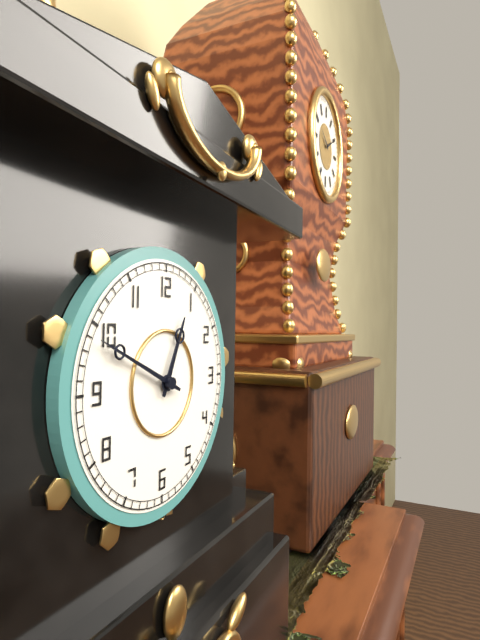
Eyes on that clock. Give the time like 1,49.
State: 12,49
